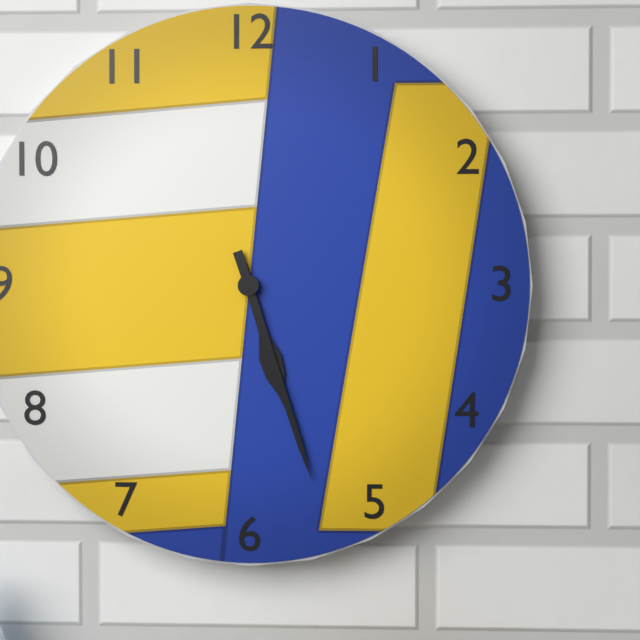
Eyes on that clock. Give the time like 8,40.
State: 5,27
